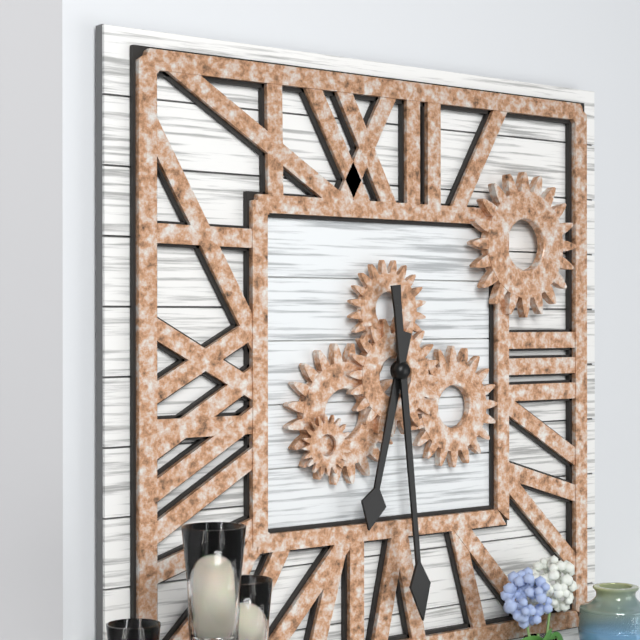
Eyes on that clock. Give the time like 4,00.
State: 6,29
